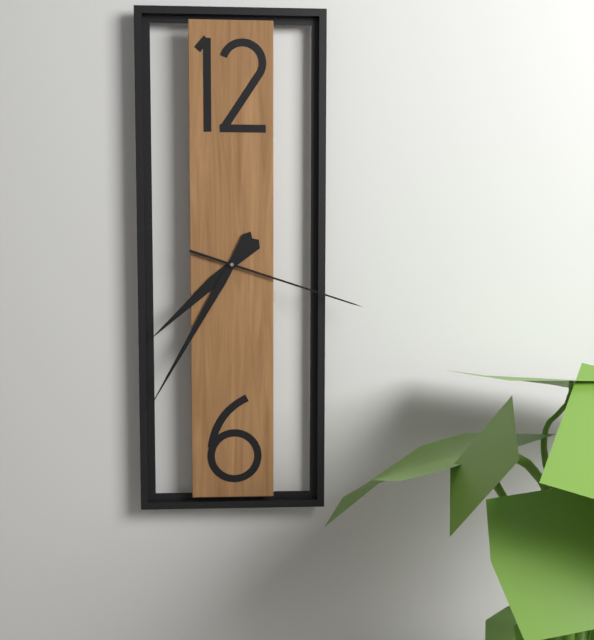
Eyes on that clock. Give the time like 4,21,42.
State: 7,35,18
